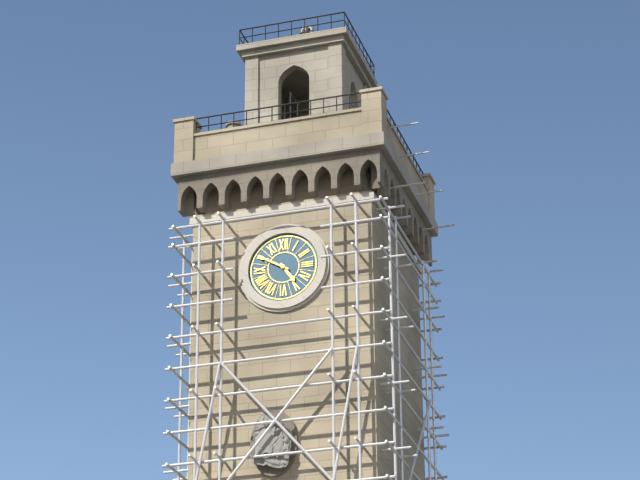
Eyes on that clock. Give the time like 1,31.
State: 4,50
